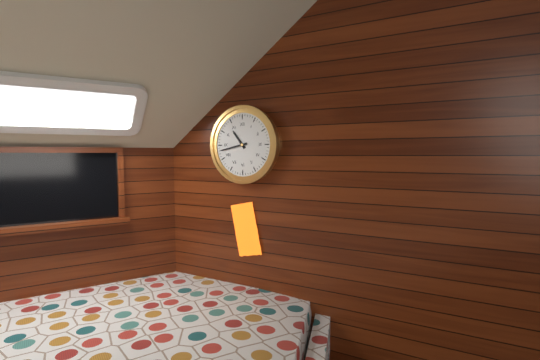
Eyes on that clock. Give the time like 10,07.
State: 10,43
